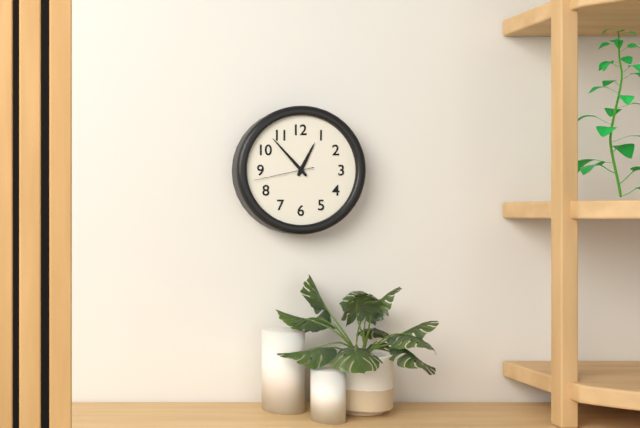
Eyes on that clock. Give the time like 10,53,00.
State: 12,53,43
